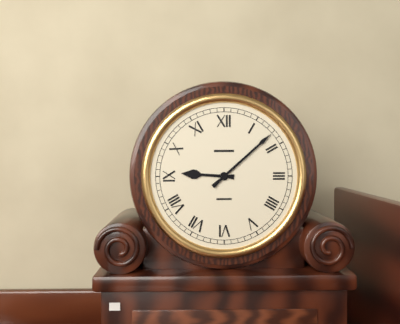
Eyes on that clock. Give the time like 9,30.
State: 9,08
